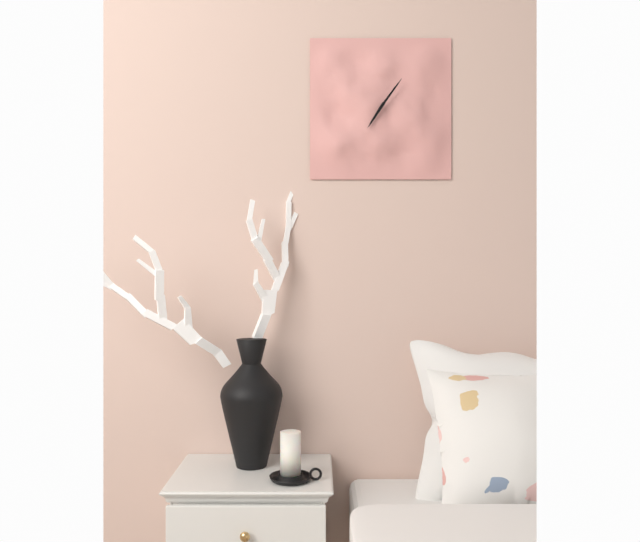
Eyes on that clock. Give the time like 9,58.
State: 7,06
